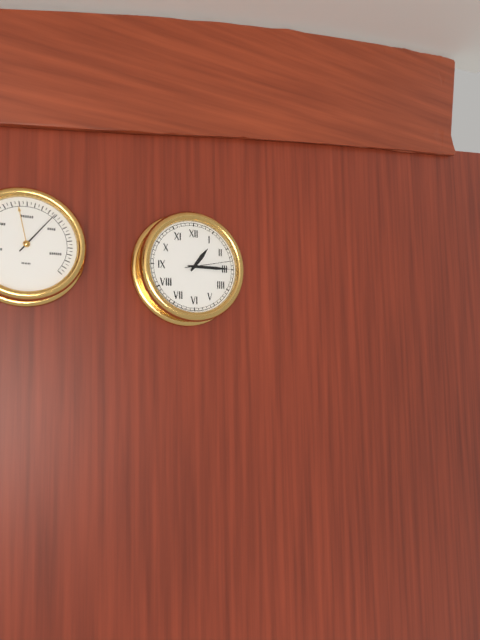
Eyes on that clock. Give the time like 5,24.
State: 1,15
